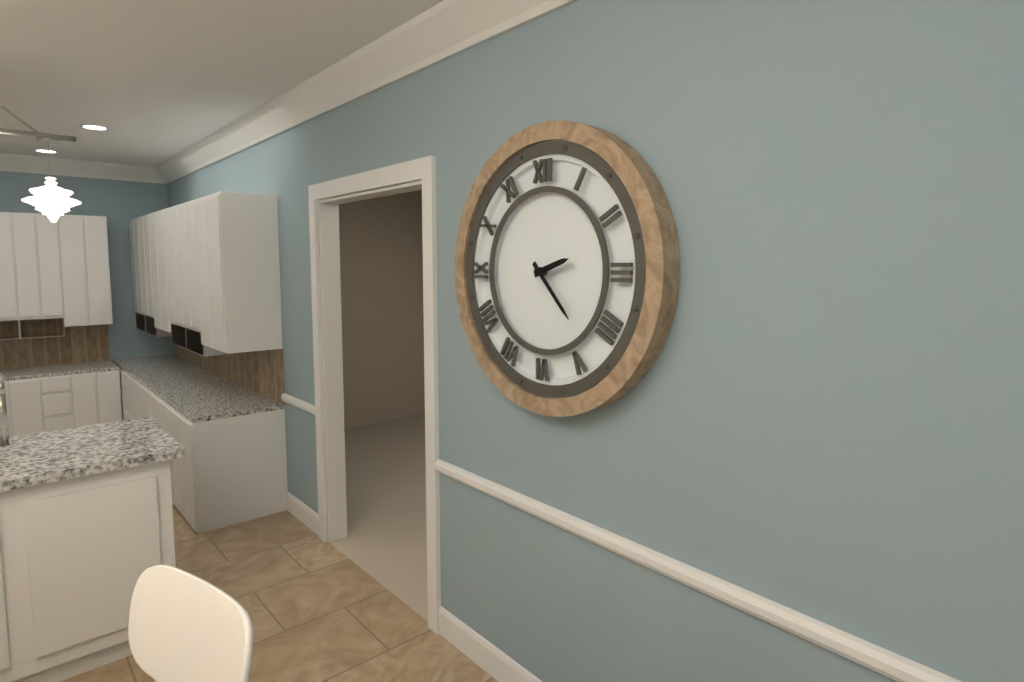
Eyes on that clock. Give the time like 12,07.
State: 2,23
